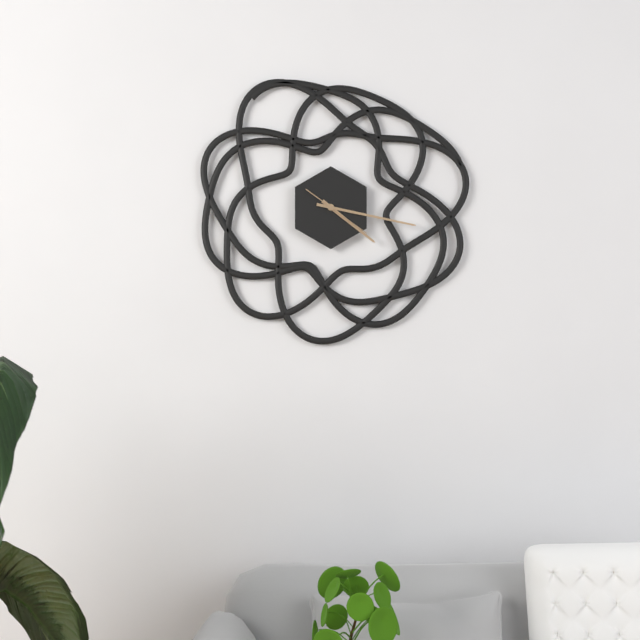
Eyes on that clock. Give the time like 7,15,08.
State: 4,17,21
